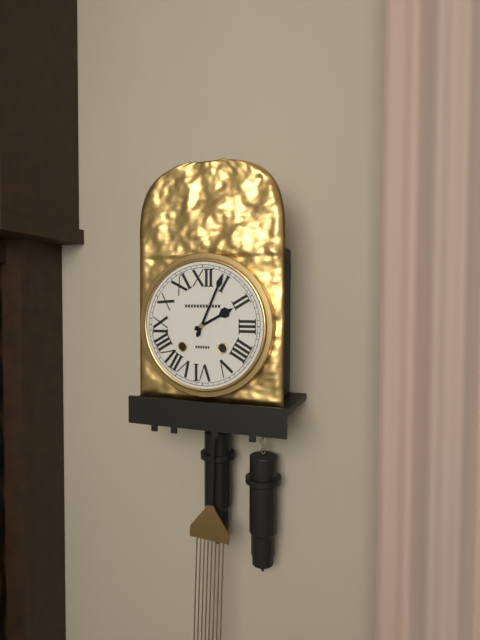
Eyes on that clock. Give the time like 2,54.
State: 2,04
